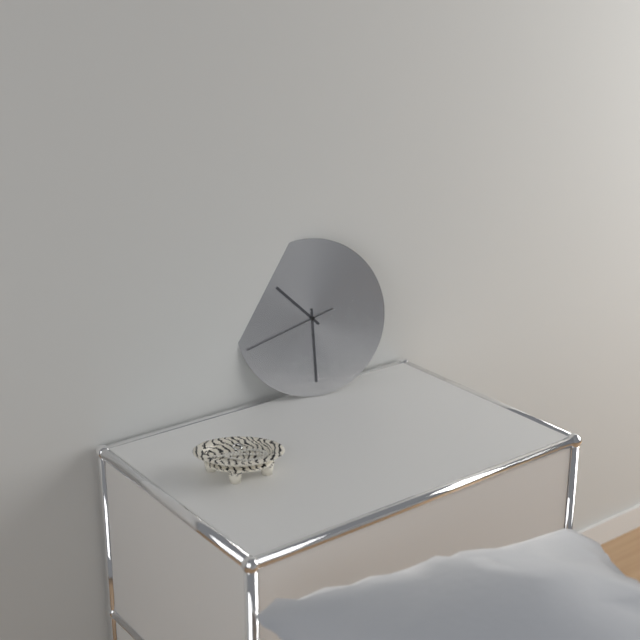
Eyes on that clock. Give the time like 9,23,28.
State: 10,30,42
